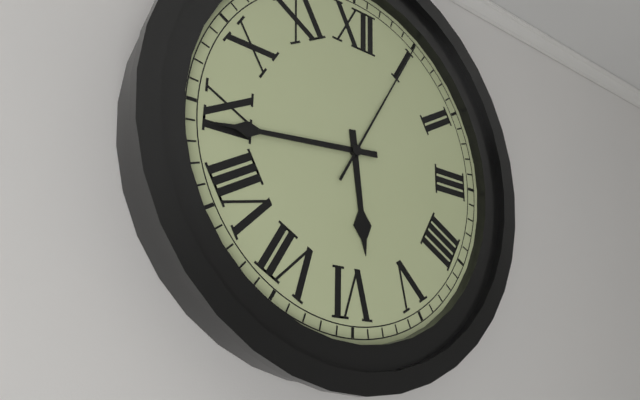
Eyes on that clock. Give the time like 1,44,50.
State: 5,44,05
